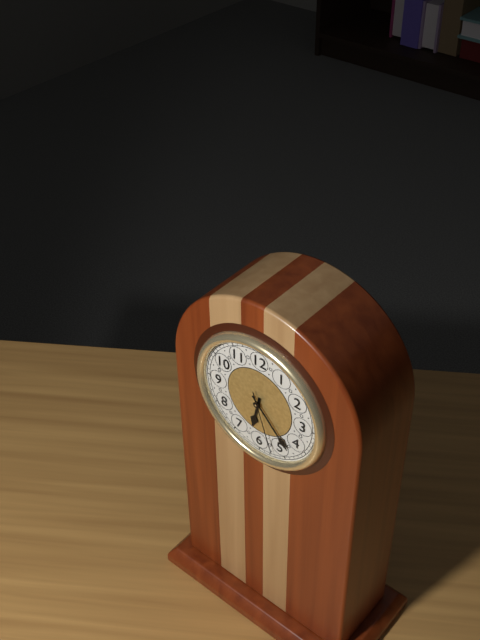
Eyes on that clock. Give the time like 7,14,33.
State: 6,23,27
